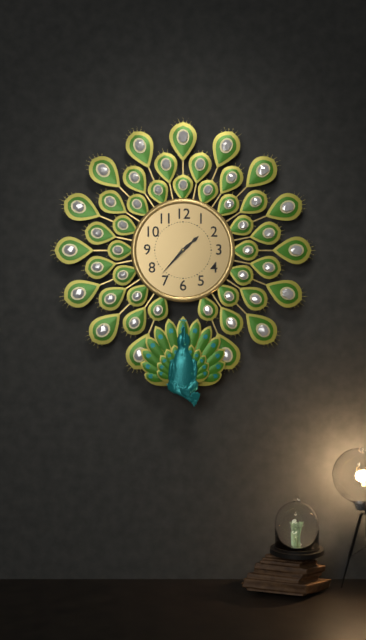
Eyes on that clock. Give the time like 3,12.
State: 1,37
